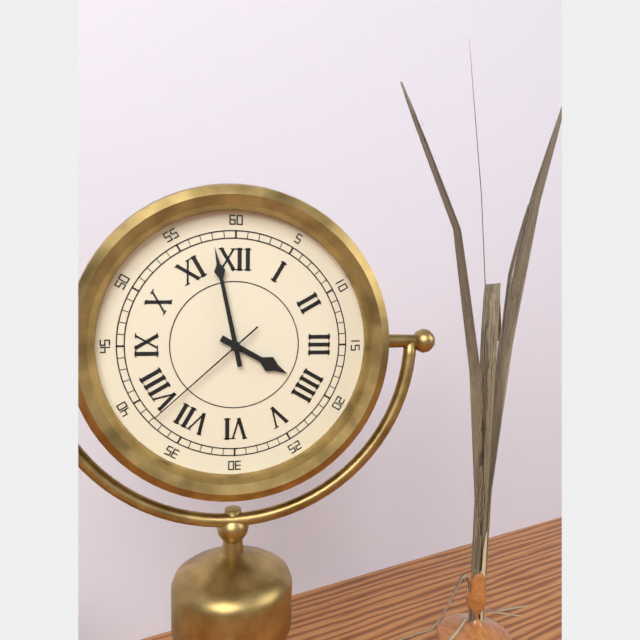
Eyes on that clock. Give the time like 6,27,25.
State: 3,58,38
